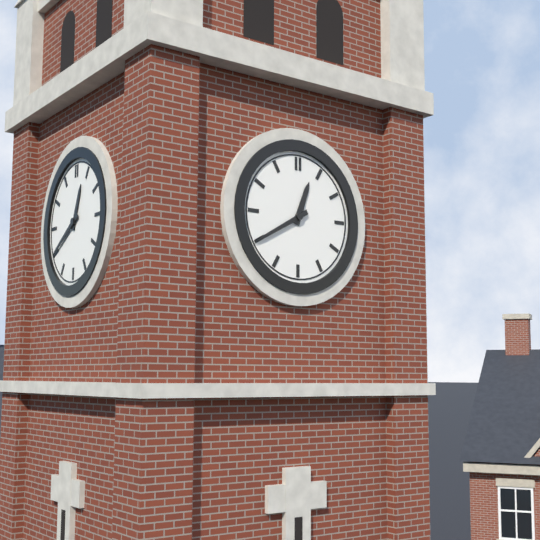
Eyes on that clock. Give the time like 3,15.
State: 12,40
